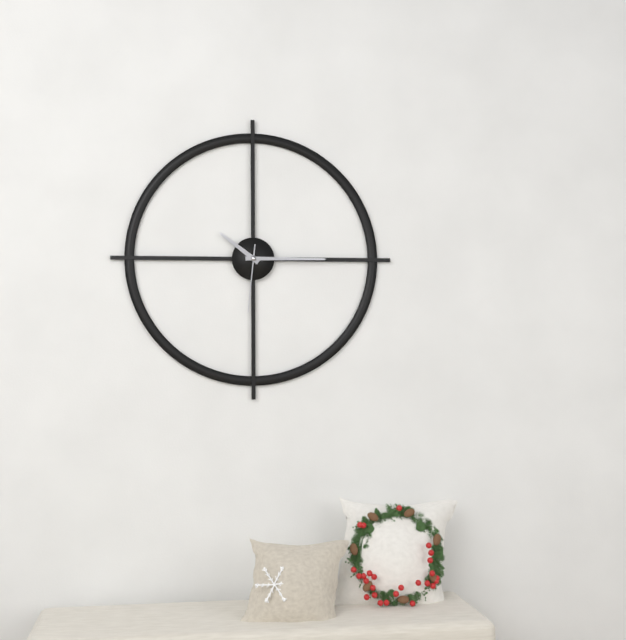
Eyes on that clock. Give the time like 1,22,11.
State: 10,15,31
